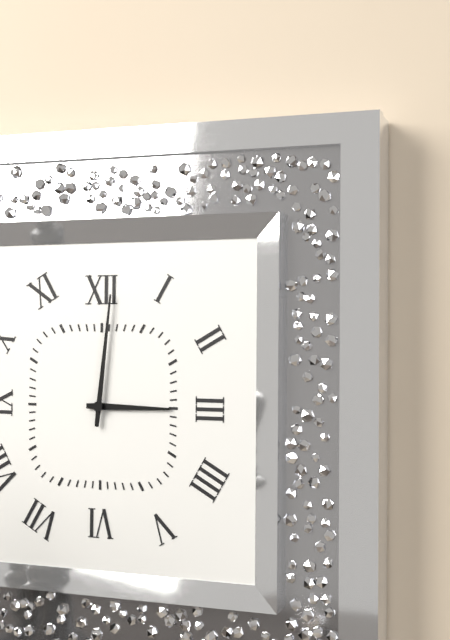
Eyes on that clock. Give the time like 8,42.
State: 3,01
